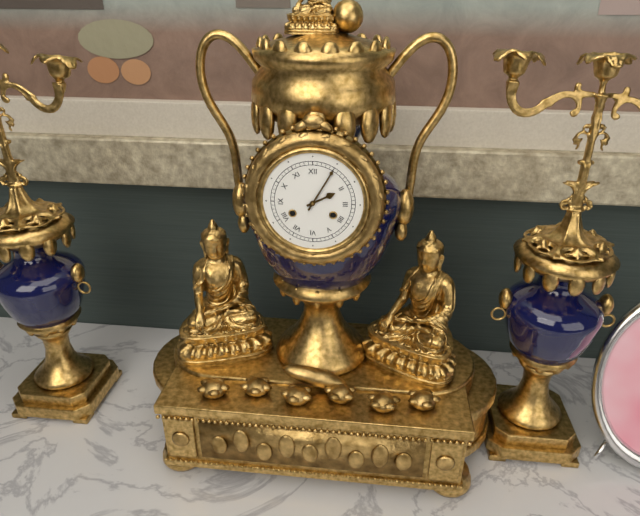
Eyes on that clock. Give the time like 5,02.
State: 2,05
